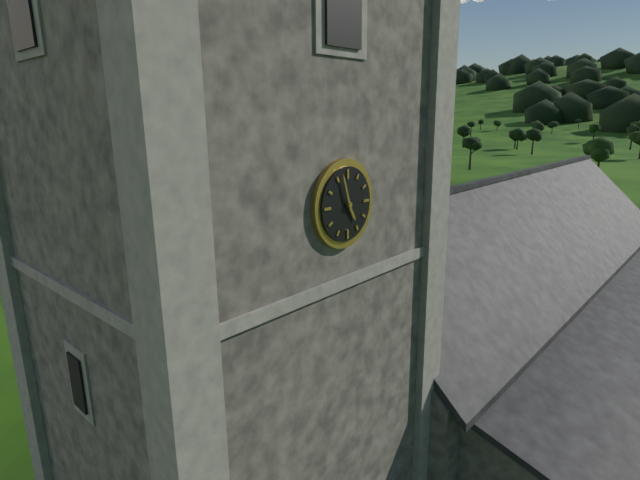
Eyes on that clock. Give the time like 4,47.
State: 4,57
